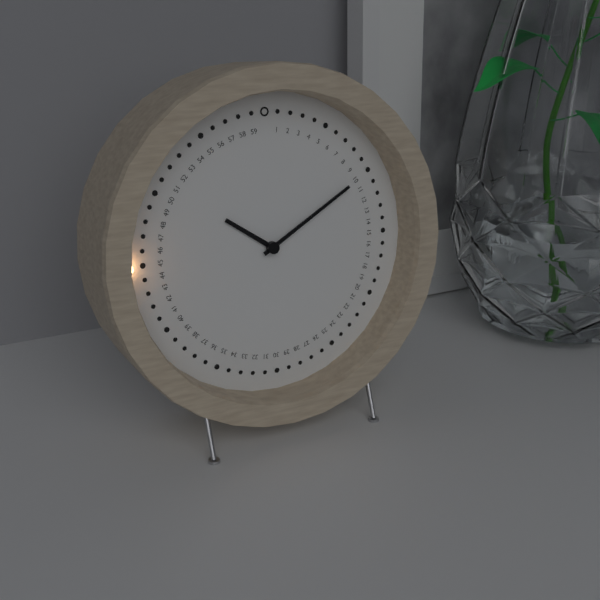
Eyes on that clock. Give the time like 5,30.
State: 10,10
